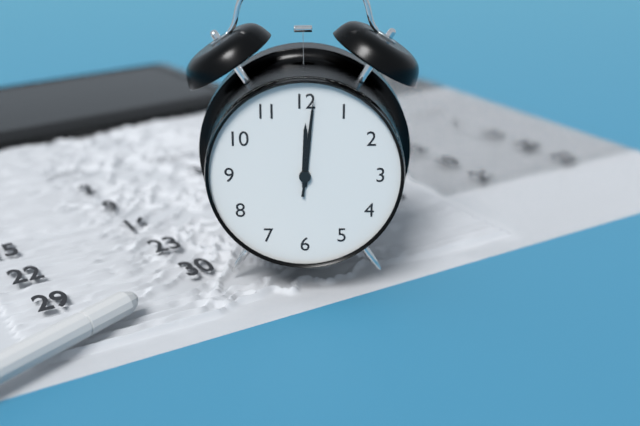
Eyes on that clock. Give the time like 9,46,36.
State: 12,01,01
